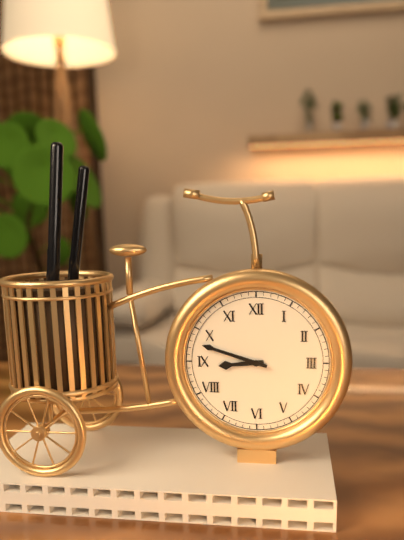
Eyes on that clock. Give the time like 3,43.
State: 8,48
